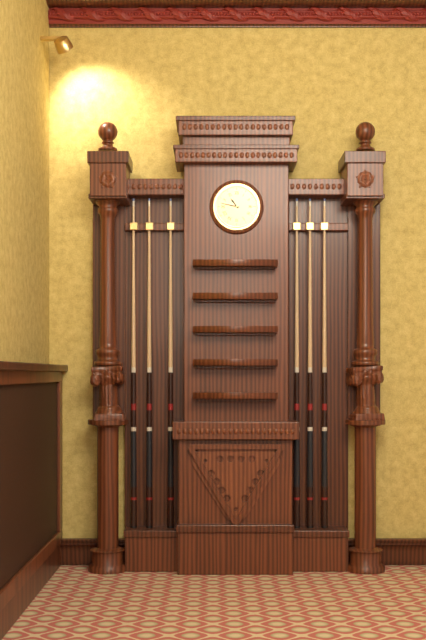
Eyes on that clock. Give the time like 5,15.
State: 10,47
